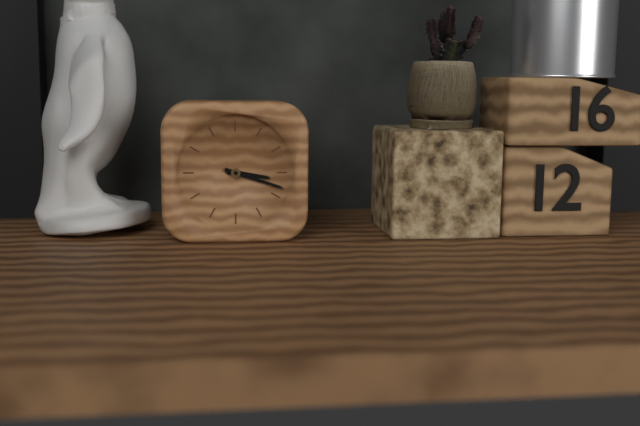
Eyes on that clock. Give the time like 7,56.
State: 3,18
